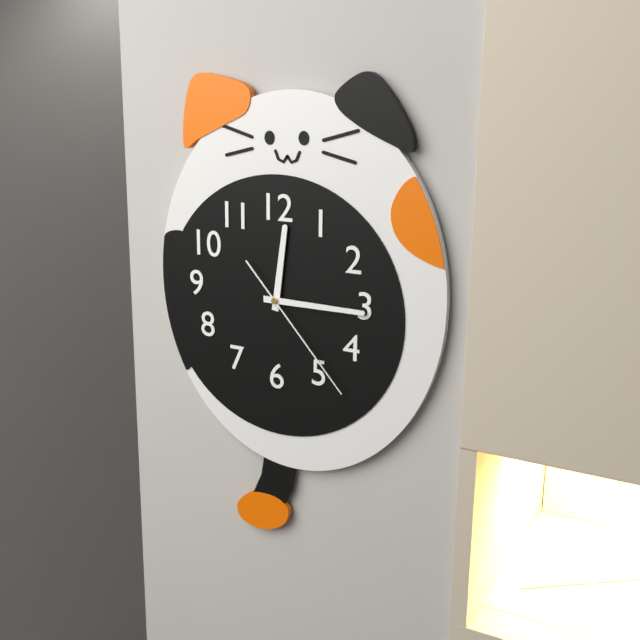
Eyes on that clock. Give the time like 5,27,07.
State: 12,15,23
